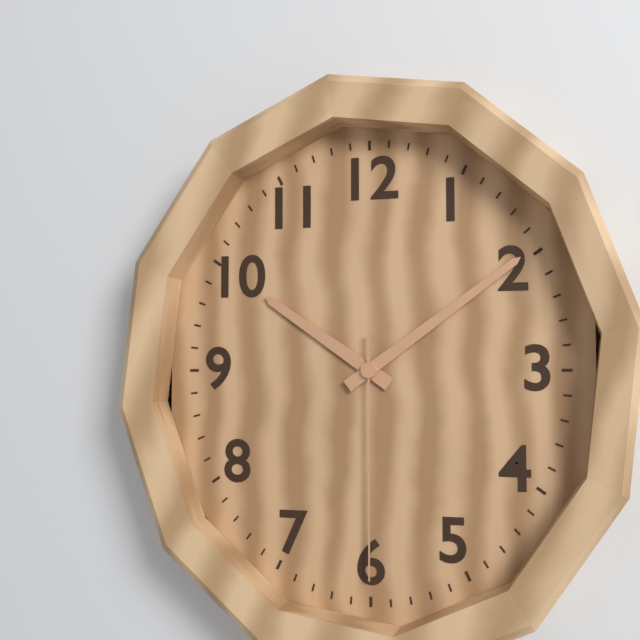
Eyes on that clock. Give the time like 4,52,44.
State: 10,09,30
